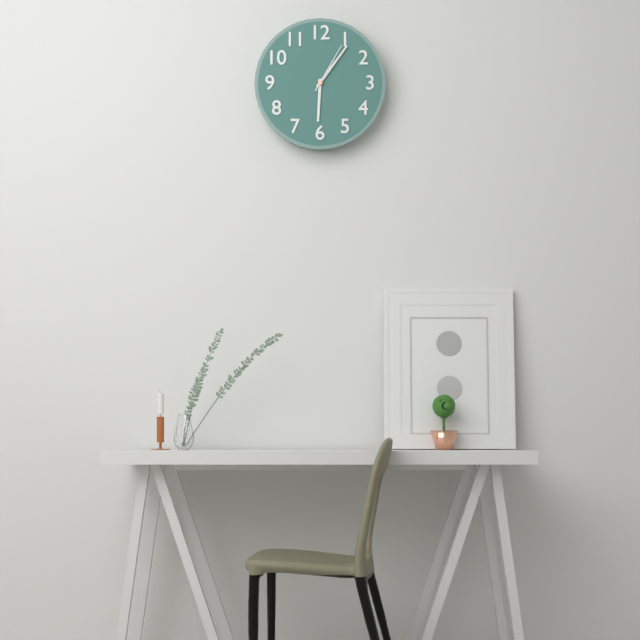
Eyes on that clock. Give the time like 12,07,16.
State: 6,06,05
